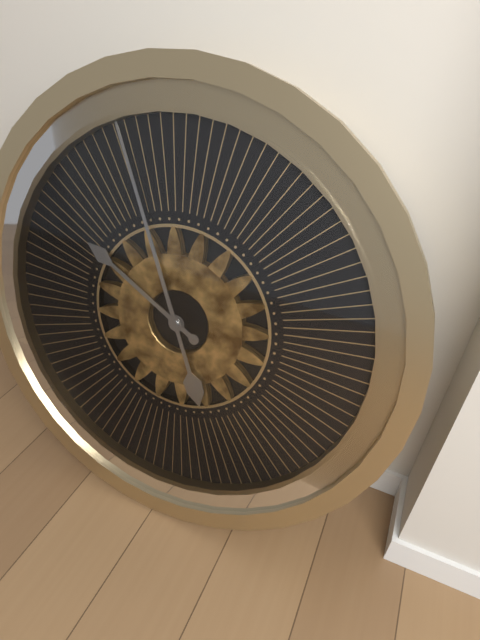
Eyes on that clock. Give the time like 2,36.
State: 9,56
